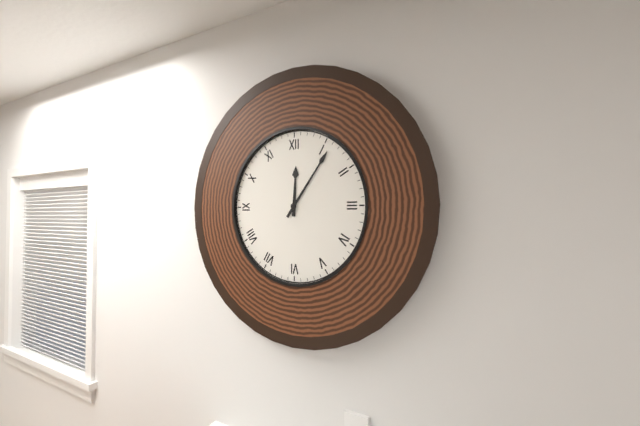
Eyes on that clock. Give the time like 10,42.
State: 12,06
